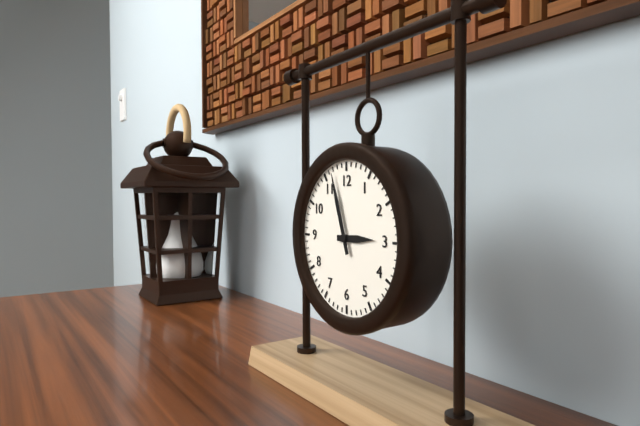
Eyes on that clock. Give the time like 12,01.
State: 2,57
